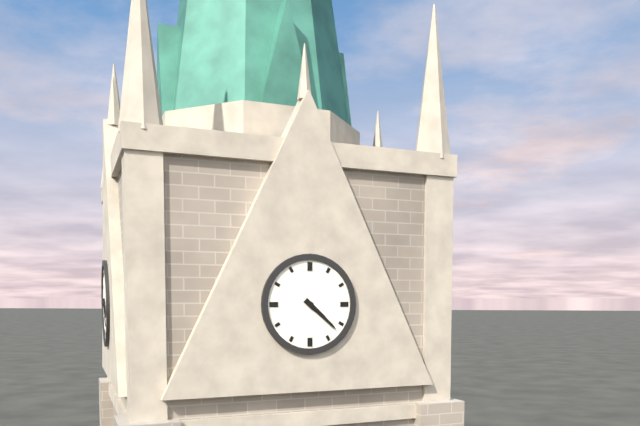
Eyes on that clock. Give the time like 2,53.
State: 4,22
